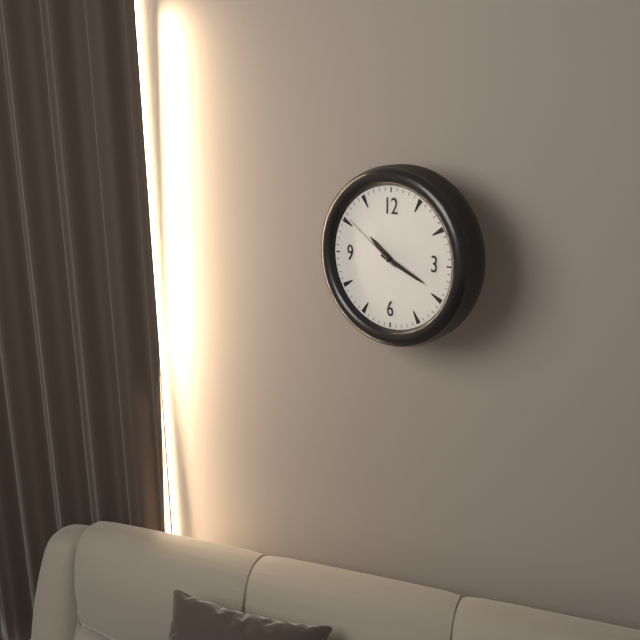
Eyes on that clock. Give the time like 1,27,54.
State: 10,19,51
